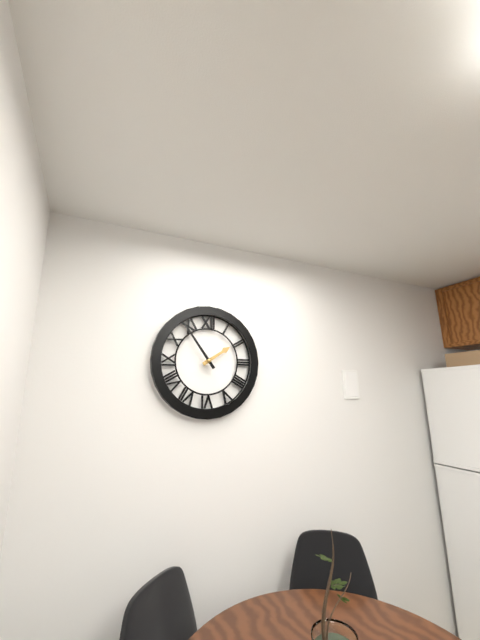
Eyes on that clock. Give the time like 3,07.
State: 1,54
